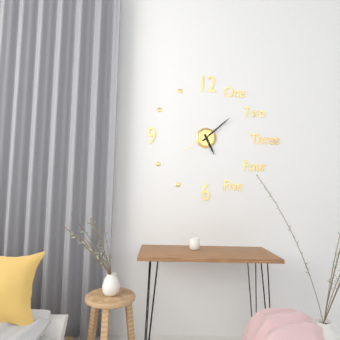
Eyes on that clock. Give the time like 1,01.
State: 5,08
